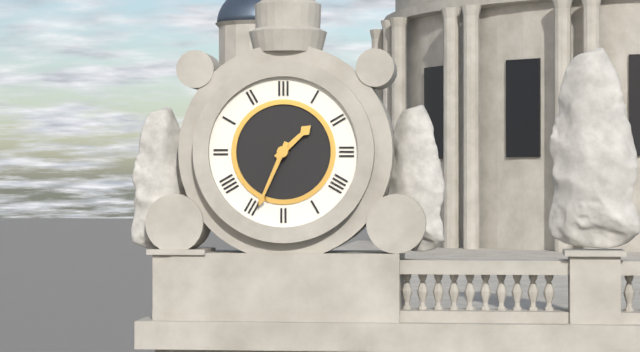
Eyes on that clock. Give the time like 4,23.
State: 1,34
